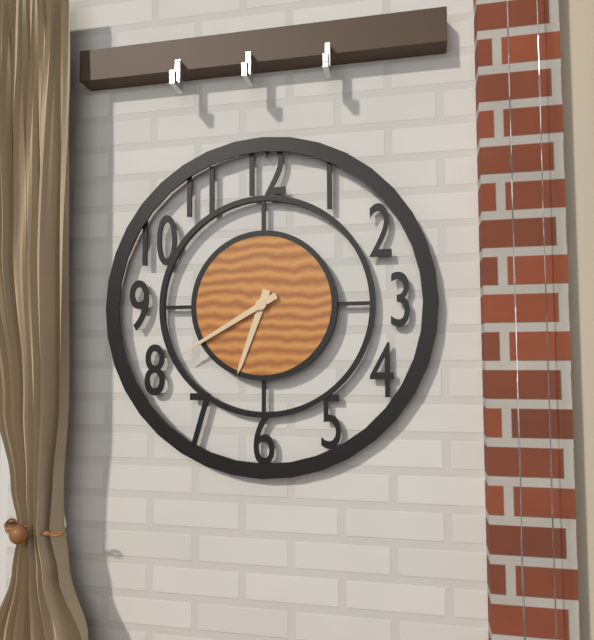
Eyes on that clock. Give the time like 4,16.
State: 6,40
